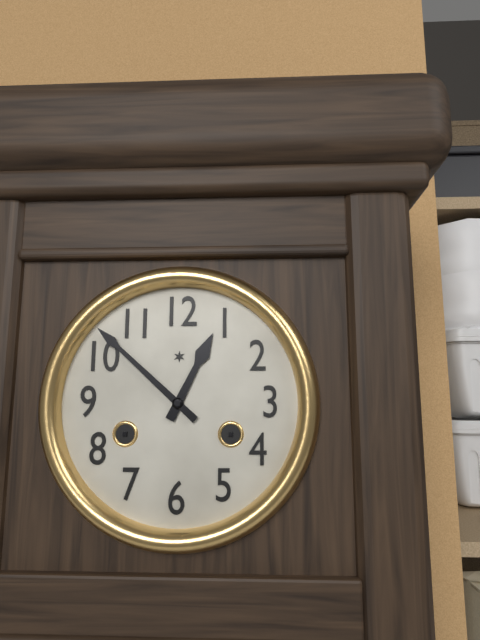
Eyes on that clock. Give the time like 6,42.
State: 12,52
